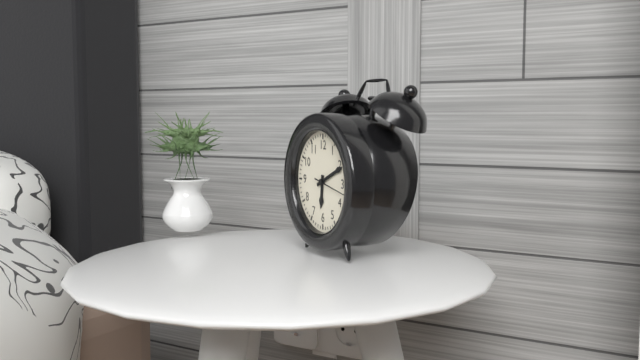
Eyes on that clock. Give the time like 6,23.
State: 6,11
